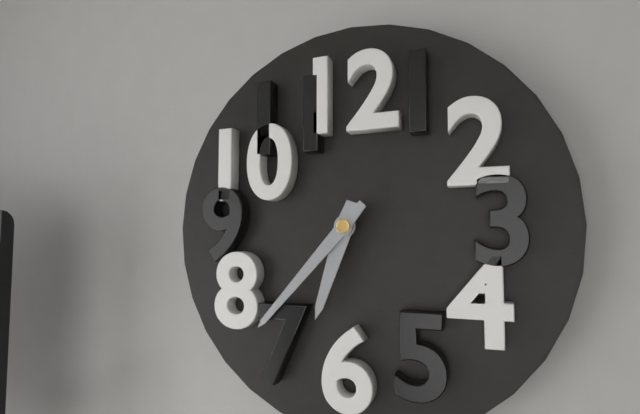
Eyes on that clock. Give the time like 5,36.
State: 6,37
